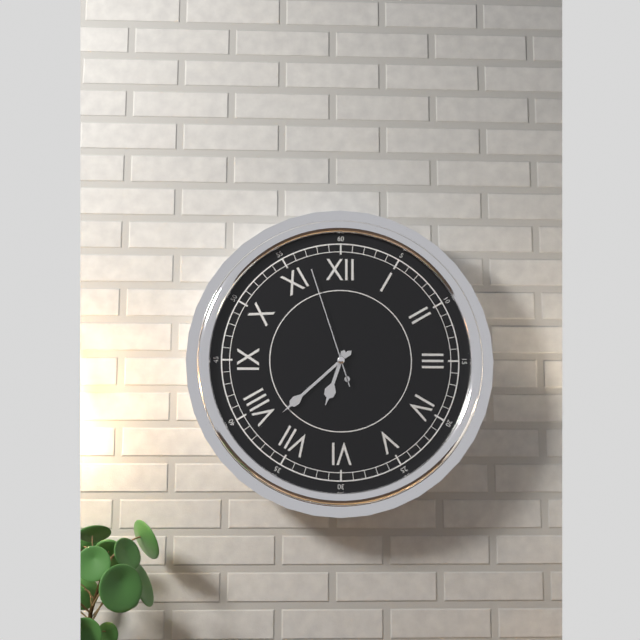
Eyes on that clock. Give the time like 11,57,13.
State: 6,38,57
